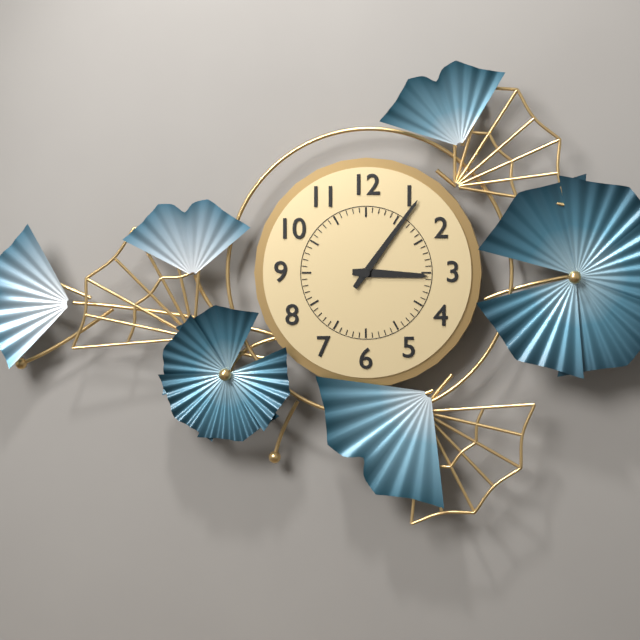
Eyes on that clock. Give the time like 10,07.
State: 3,06
